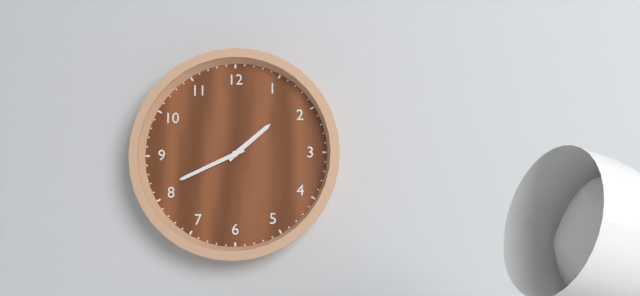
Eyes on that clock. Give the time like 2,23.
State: 1,41
